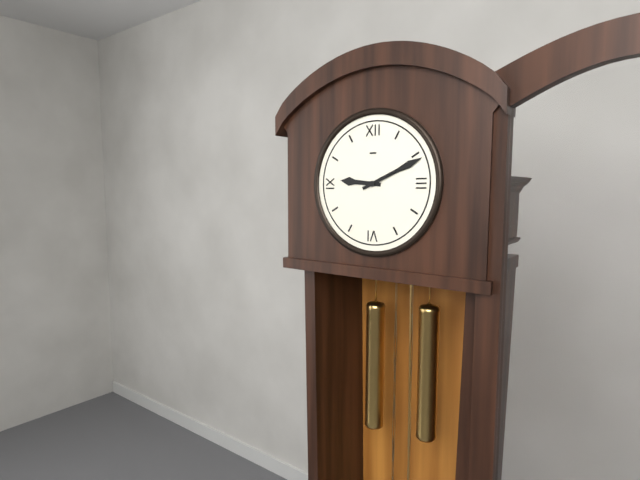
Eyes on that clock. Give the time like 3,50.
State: 9,11
